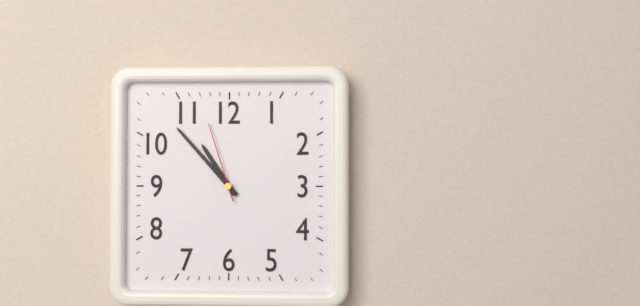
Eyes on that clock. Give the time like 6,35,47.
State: 10,53,57
